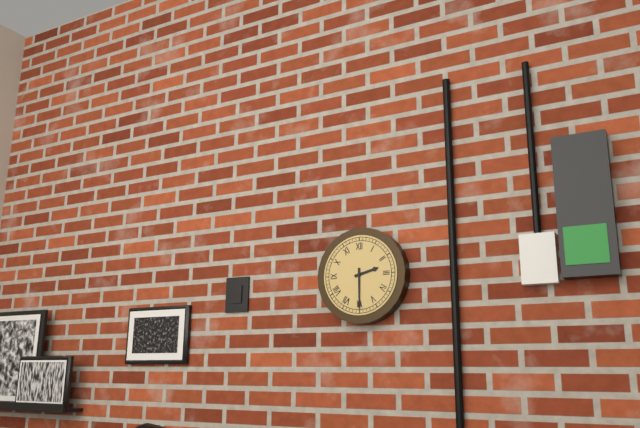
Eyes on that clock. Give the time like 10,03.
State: 2,30
